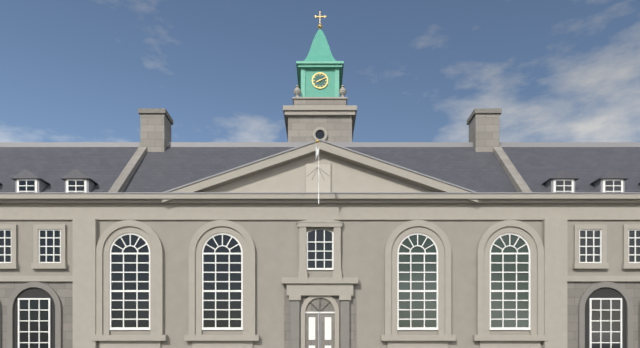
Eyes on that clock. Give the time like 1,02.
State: 8,11
